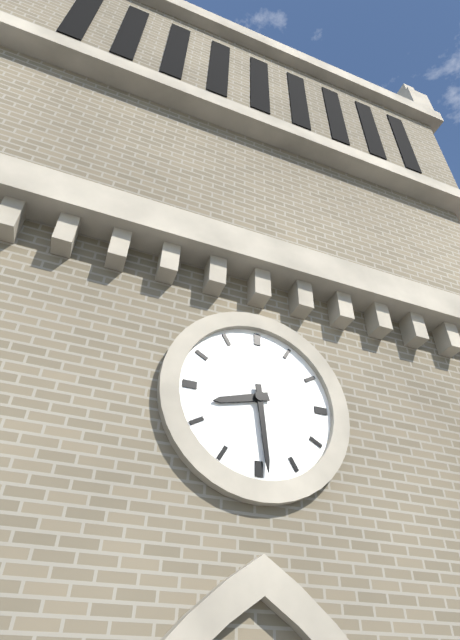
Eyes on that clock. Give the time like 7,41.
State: 8,29
